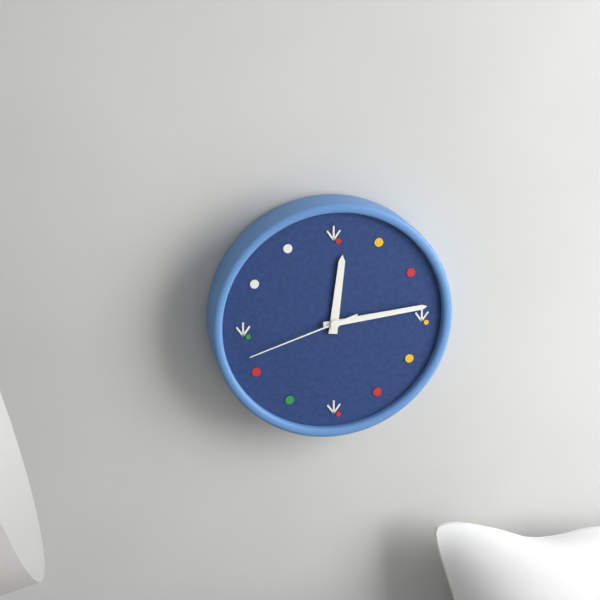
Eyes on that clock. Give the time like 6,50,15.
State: 12,14,42
